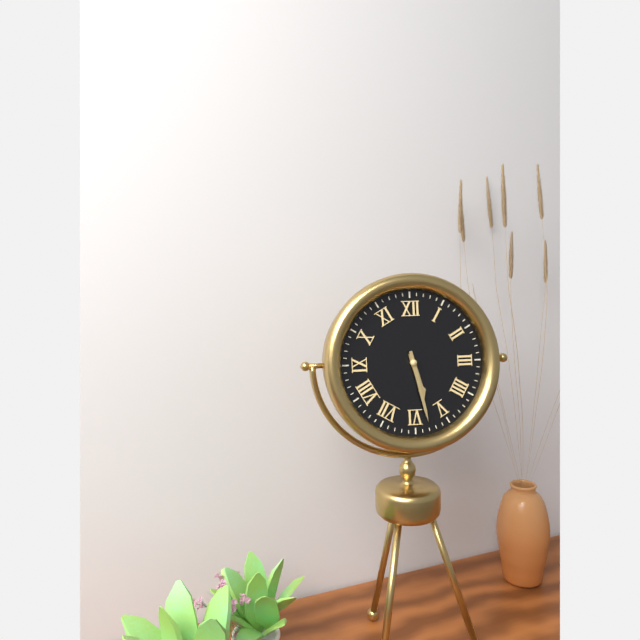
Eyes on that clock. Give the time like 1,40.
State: 5,28
